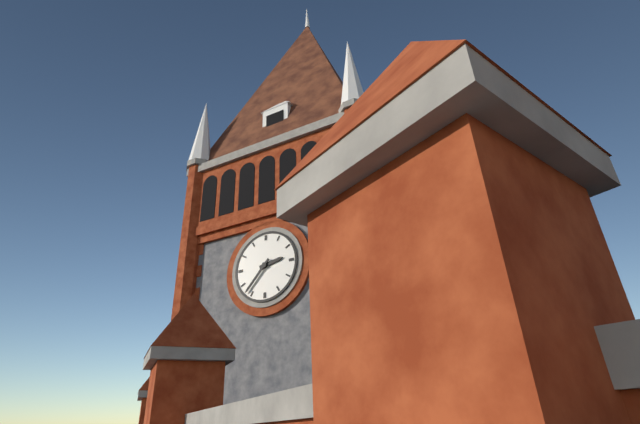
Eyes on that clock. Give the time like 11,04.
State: 2,37
